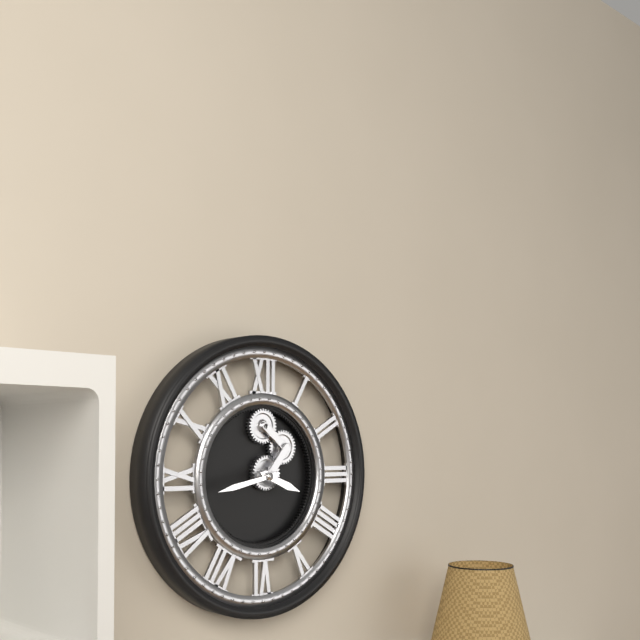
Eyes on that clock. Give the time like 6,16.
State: 3,43
